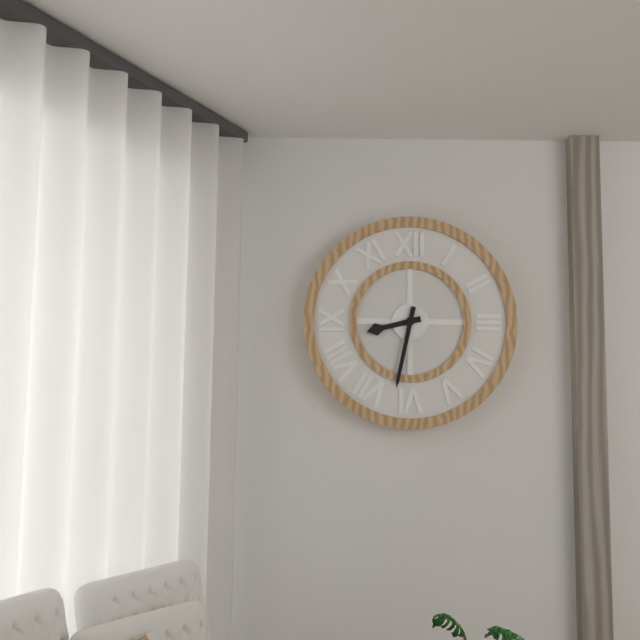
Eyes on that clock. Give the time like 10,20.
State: 8,32
